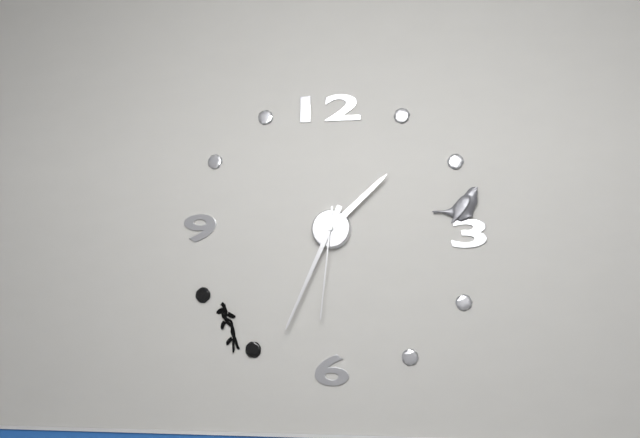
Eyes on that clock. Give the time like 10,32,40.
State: 1,34,31
